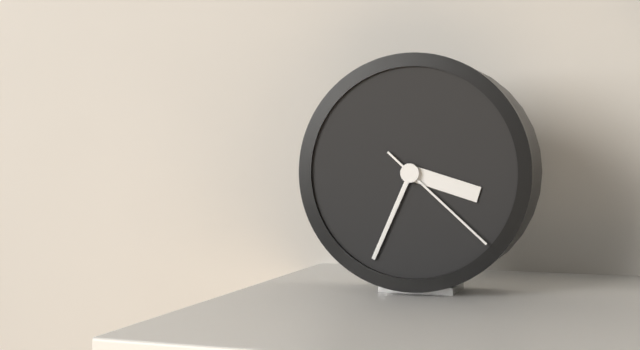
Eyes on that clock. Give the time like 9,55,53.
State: 3,34,22
